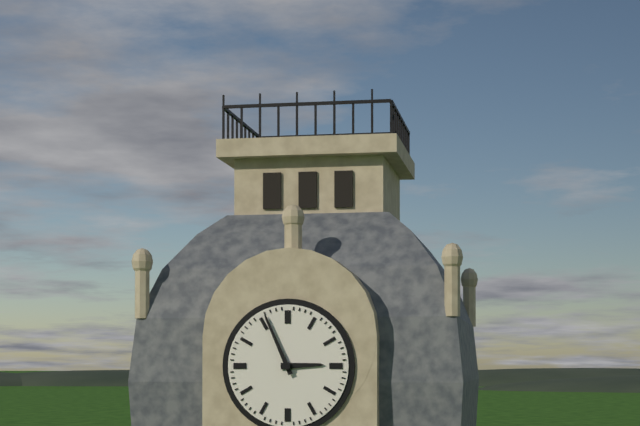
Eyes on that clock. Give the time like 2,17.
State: 2,56
